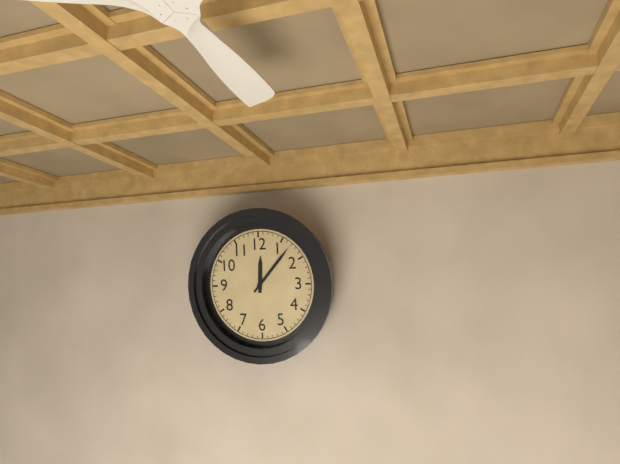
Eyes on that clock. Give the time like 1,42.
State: 12,07
